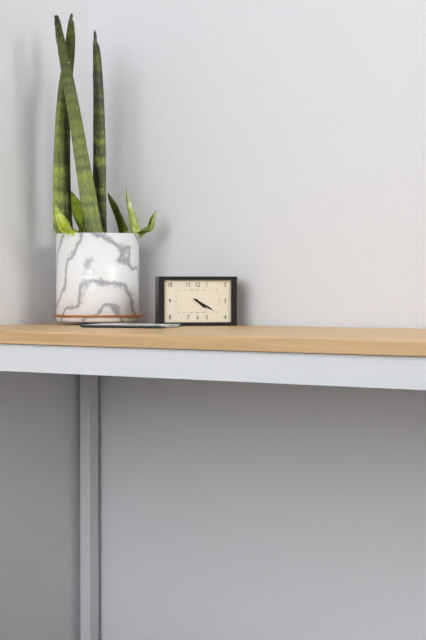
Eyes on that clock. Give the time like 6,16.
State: 4,20
